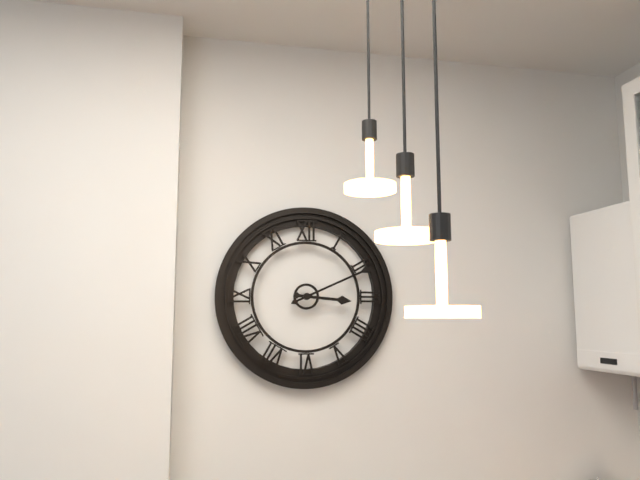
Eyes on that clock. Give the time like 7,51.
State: 3,11
